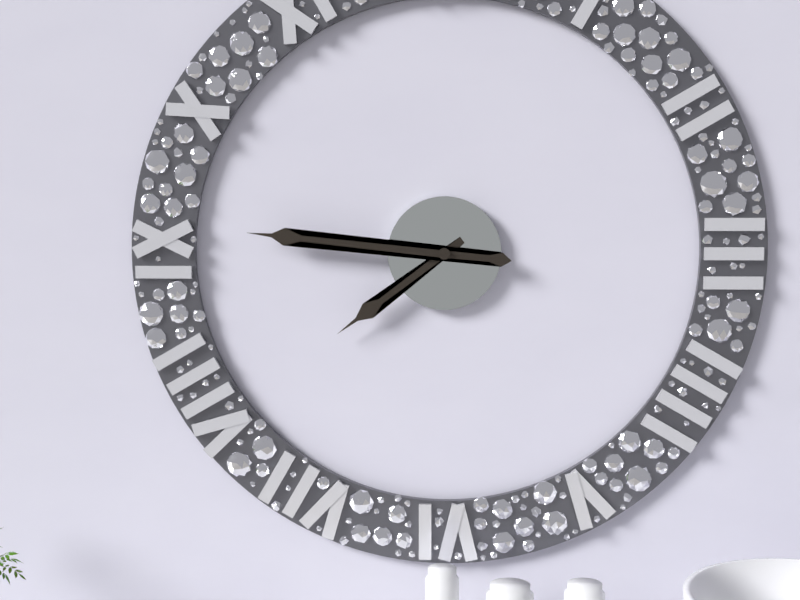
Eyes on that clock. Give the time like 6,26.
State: 7,46
